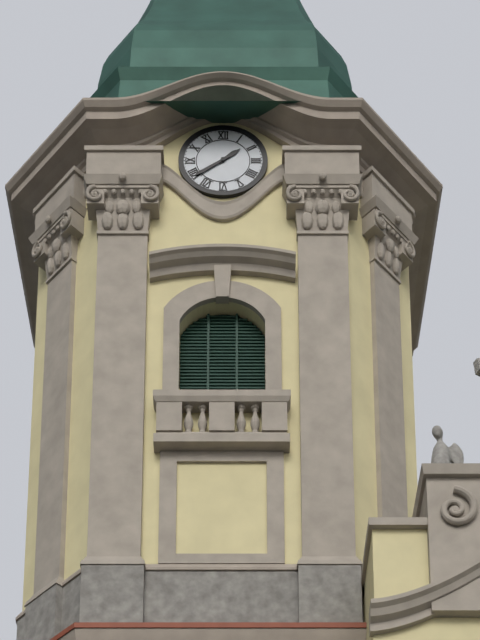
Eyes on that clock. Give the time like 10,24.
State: 1,39
